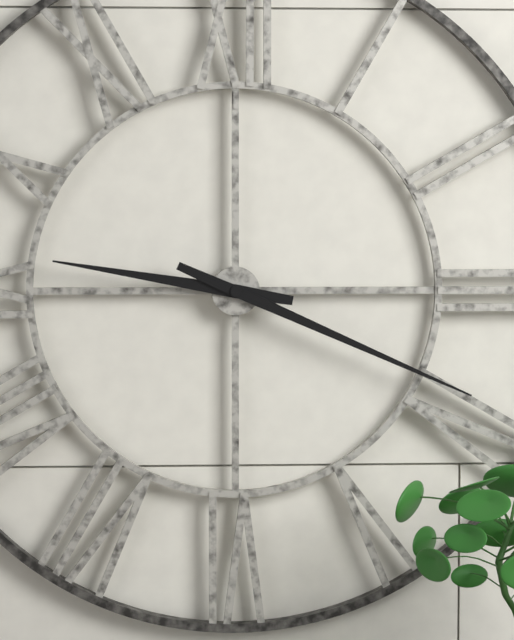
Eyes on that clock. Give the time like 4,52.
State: 9,19
